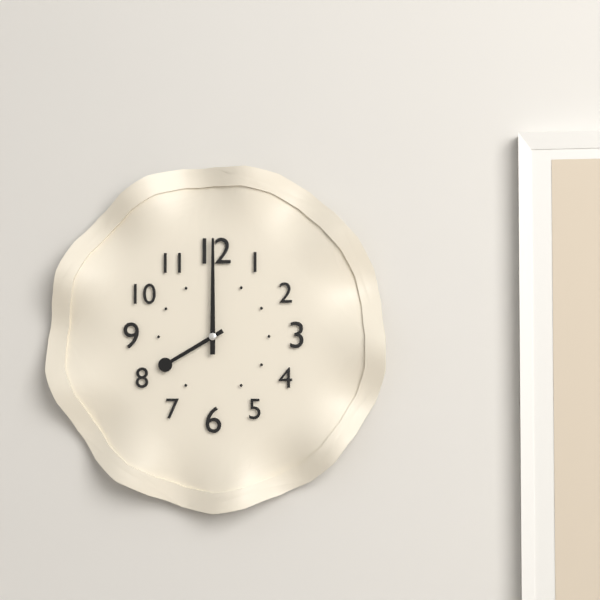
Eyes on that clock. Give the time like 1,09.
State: 8,00
